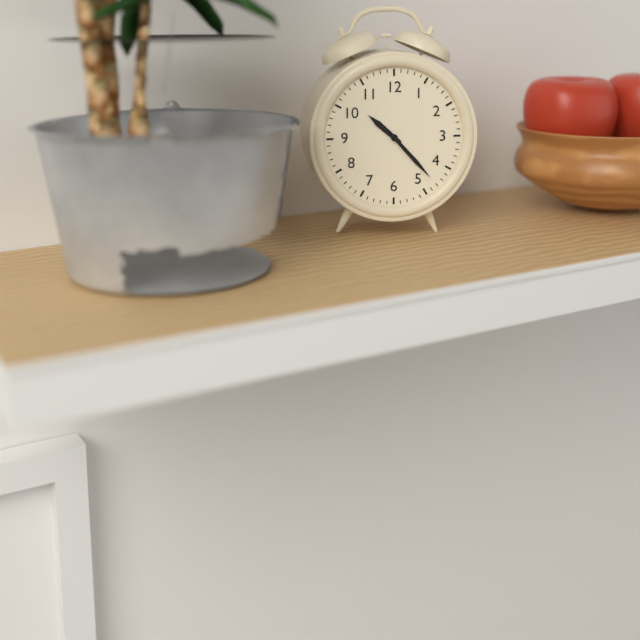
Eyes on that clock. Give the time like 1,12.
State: 10,23
